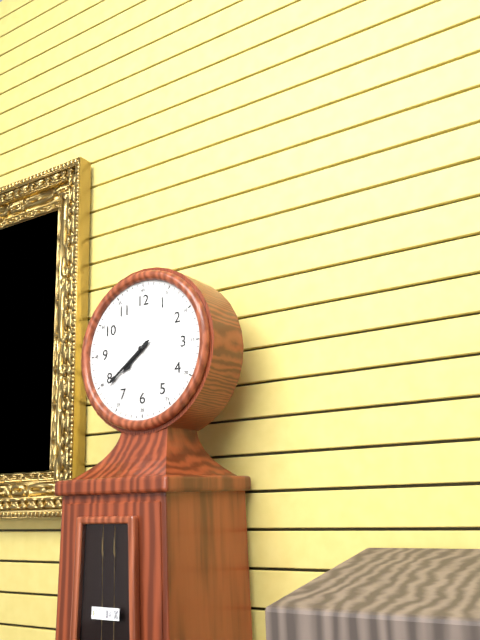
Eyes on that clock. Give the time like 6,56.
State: 7,39
